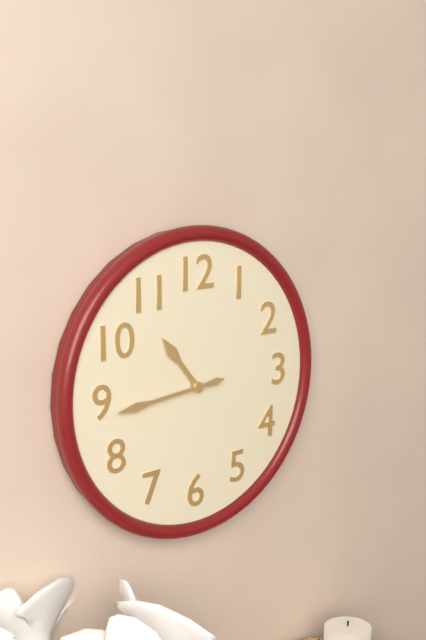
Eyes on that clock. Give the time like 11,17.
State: 10,44
